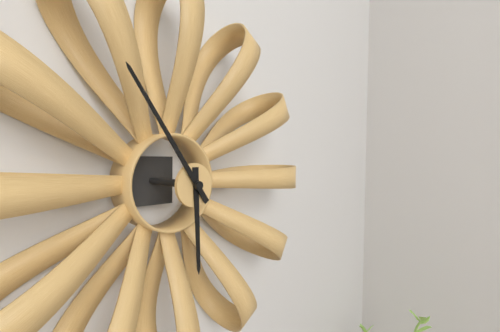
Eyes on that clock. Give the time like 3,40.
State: 5,54
